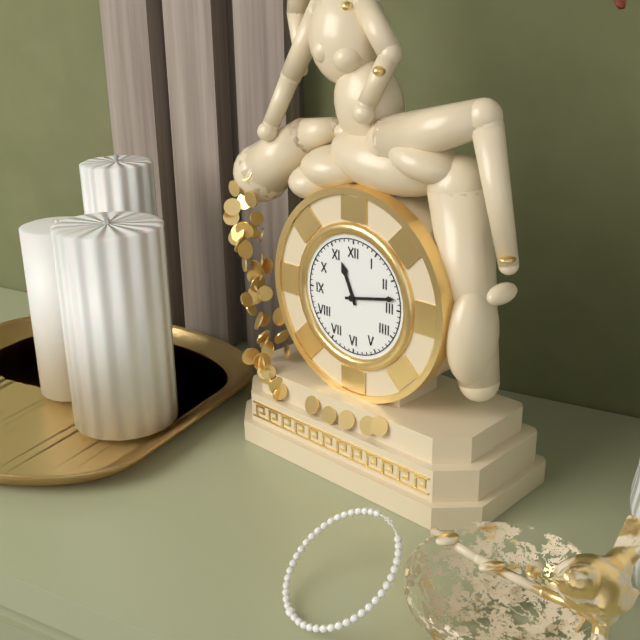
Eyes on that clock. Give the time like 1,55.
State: 11,13
